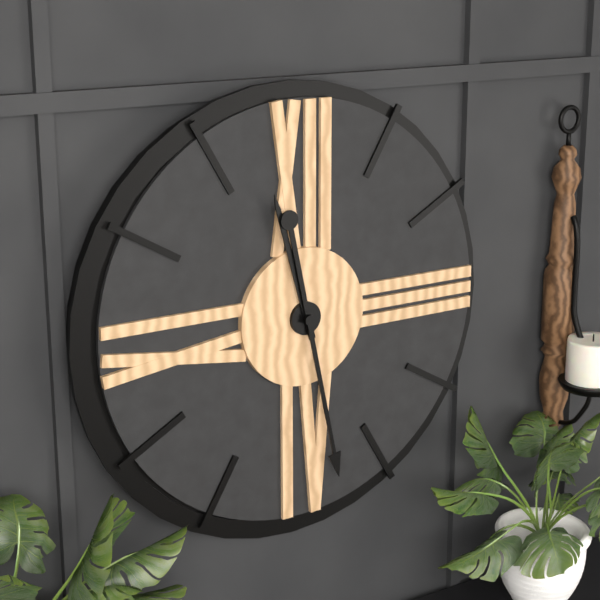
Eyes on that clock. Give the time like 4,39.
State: 11,28
